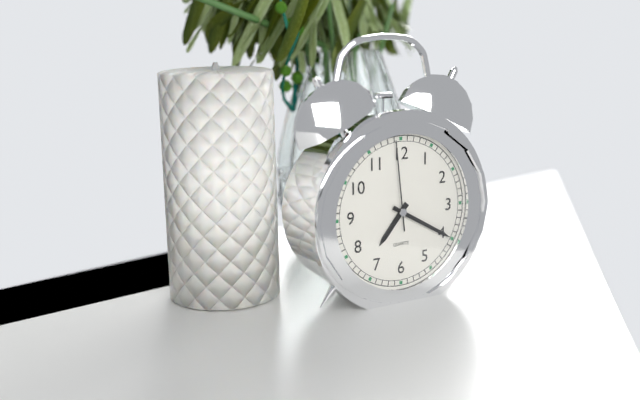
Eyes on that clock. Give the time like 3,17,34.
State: 7,20,59
